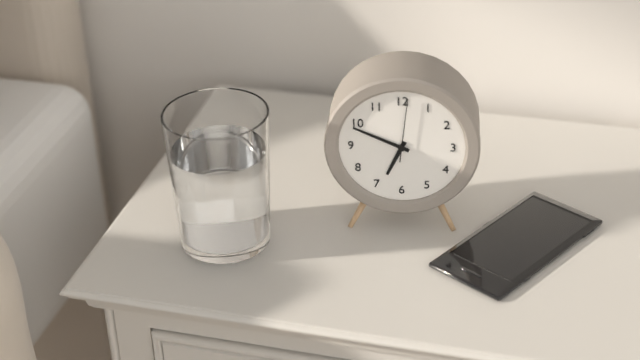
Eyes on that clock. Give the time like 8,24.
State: 6,49
